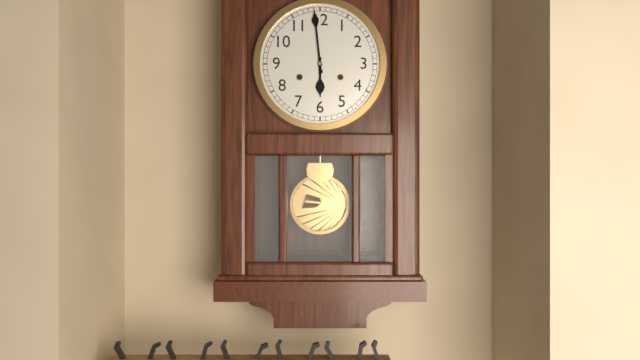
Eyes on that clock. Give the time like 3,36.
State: 5,59
